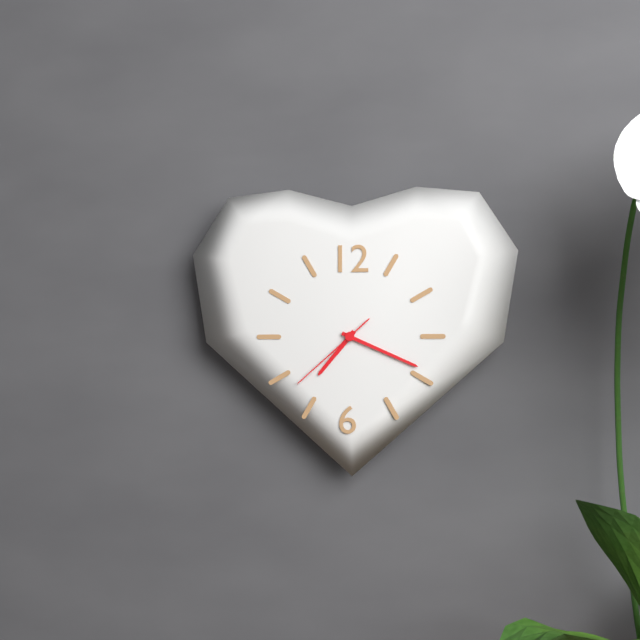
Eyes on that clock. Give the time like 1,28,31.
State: 7,19,38
